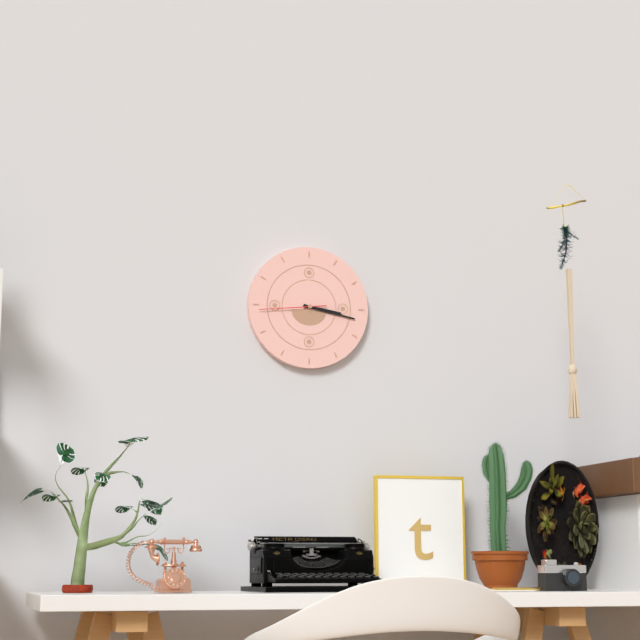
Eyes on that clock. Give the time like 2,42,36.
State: 3,17,44
